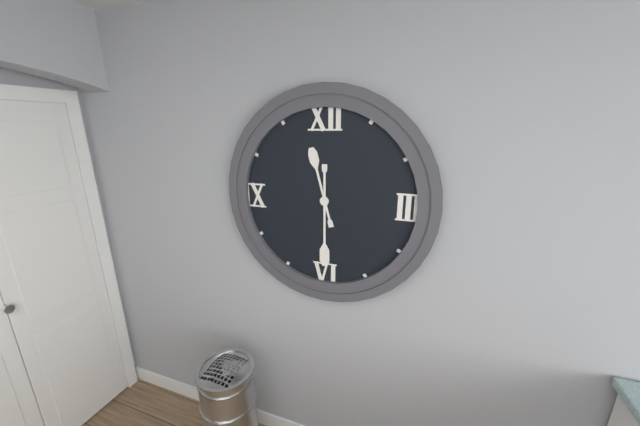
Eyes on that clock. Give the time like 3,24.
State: 11,30
